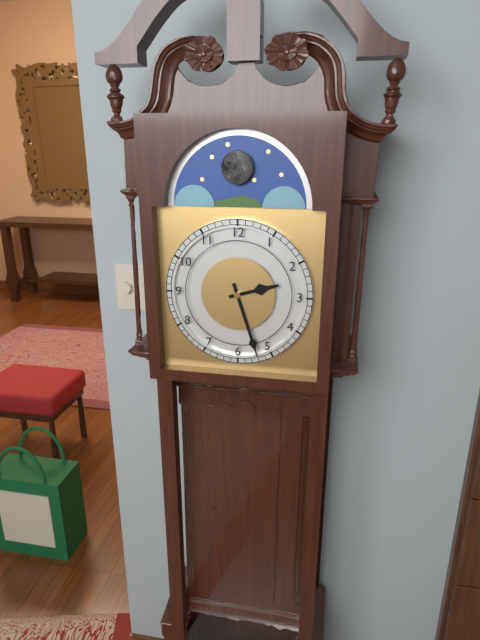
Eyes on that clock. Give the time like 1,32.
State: 2,27
